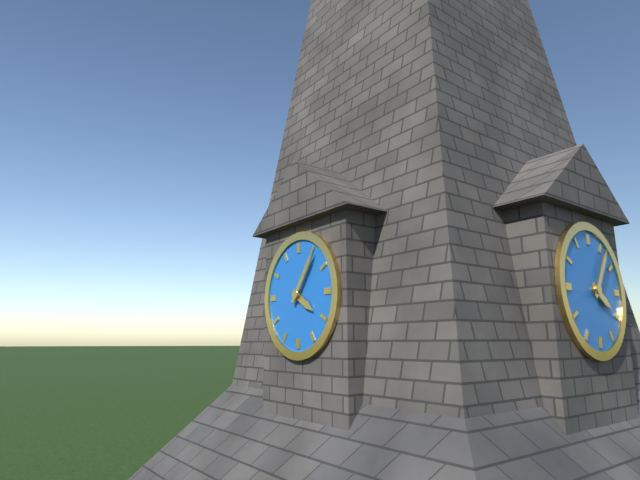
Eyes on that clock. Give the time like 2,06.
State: 4,06
